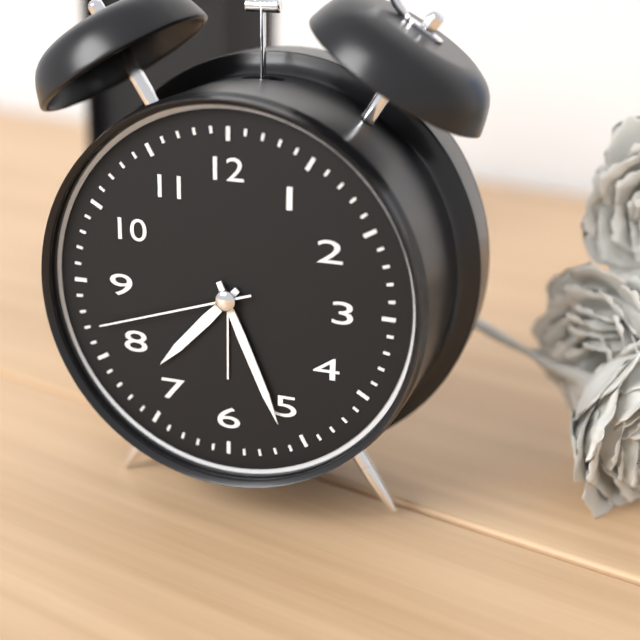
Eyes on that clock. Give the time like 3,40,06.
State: 7,26,42
